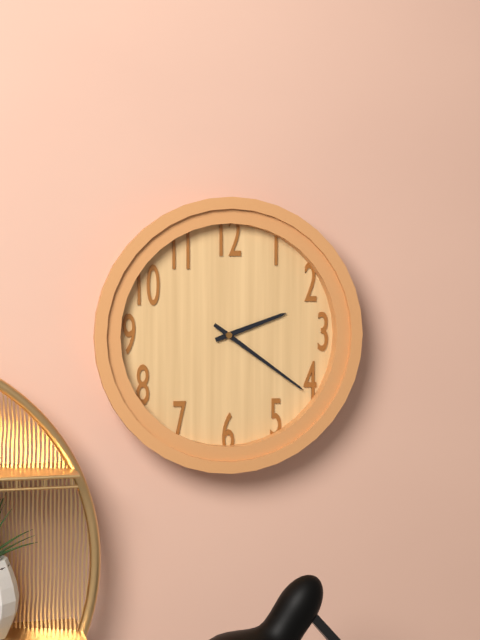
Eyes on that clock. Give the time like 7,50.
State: 2,21
